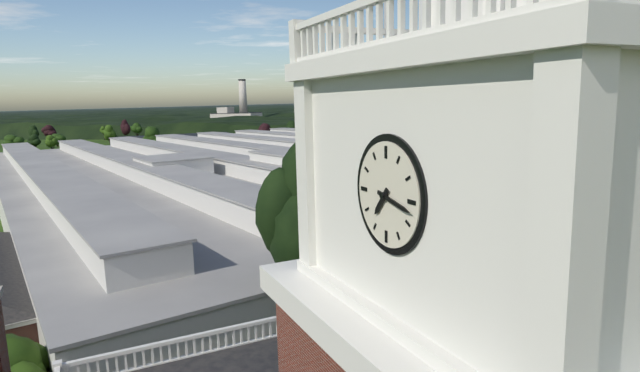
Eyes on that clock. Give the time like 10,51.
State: 7,17
